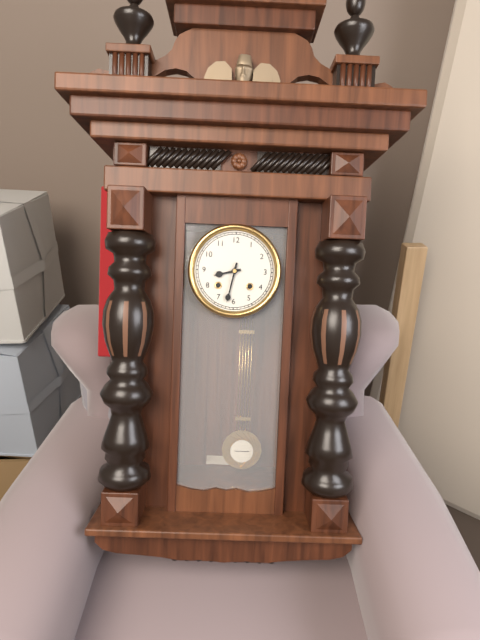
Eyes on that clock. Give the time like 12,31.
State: 8,32
